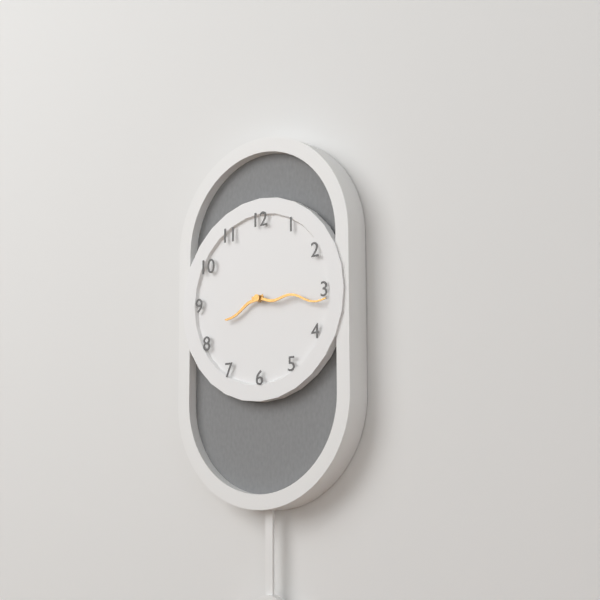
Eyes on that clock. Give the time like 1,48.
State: 8,16
